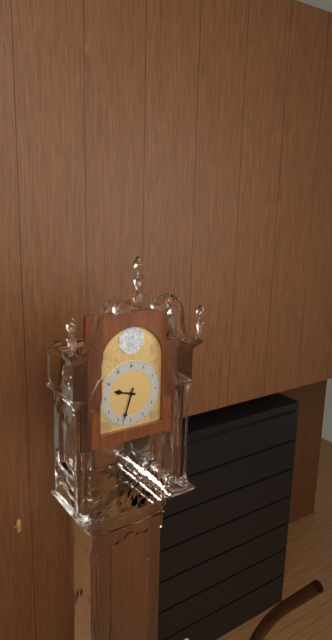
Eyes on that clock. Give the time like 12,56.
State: 9,33
